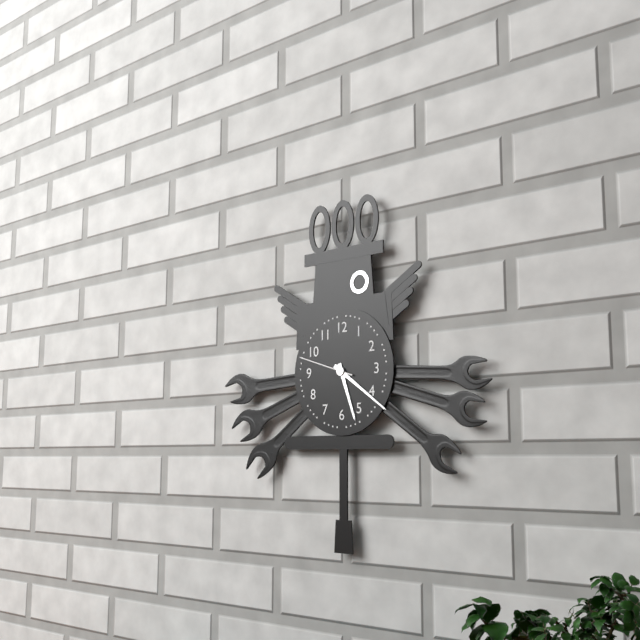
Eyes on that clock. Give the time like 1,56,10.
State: 5,21,48
